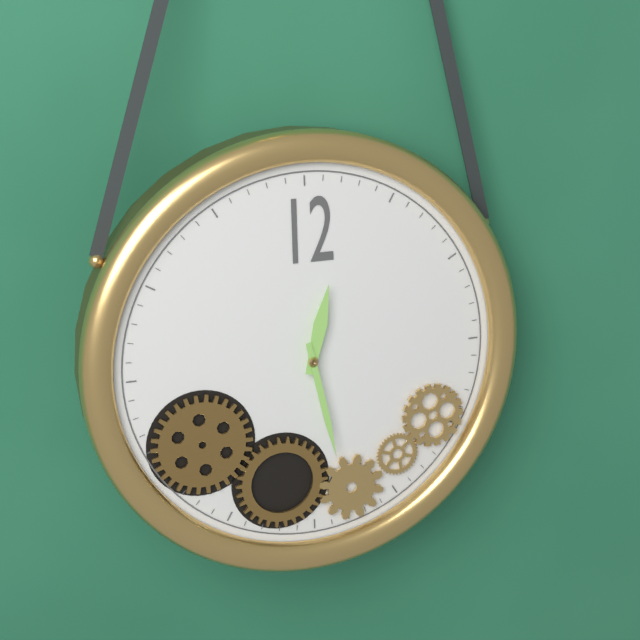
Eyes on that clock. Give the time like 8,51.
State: 12,28
